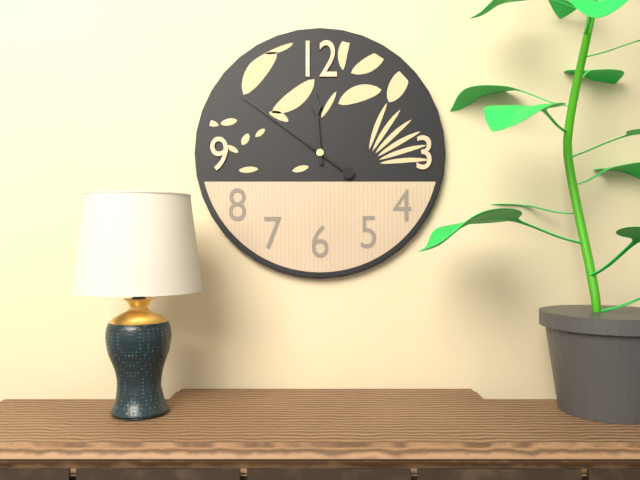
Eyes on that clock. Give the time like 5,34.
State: 11,51
